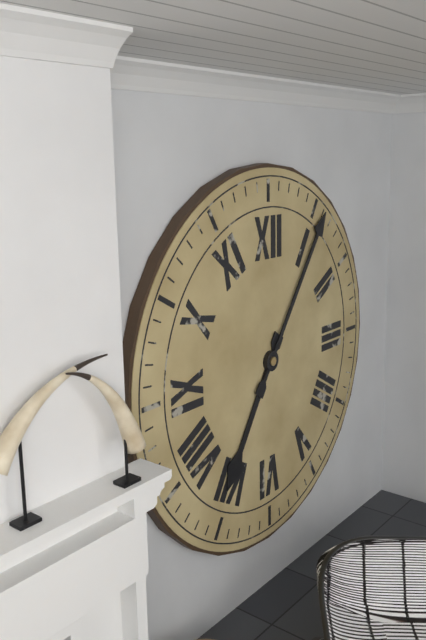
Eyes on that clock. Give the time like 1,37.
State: 7,06
